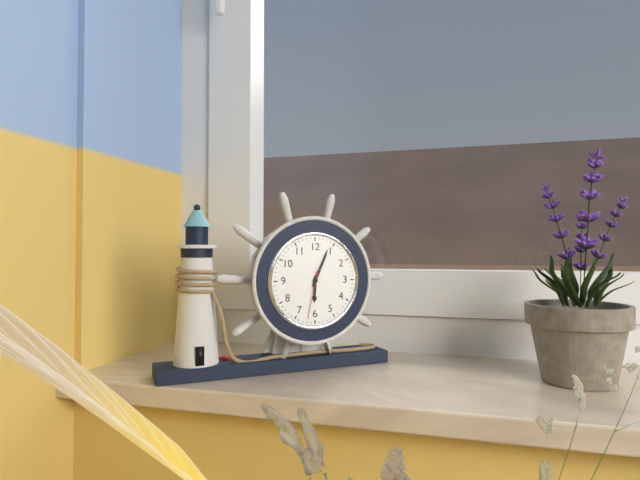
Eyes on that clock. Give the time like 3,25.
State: 6,04
